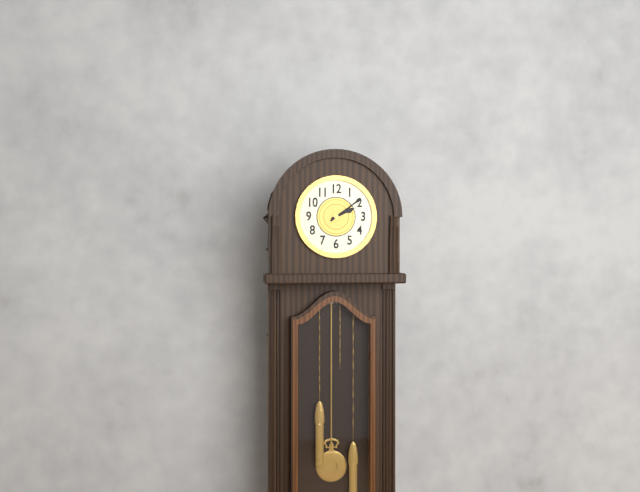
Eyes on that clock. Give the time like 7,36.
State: 2,09
